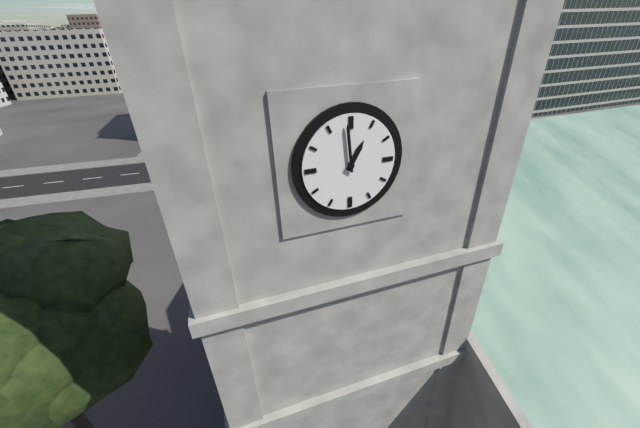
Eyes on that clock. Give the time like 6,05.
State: 12,59
